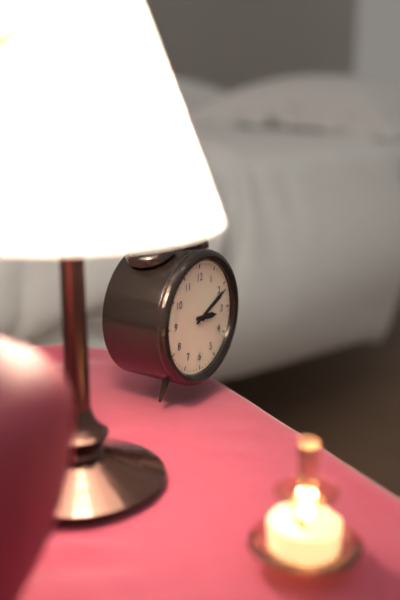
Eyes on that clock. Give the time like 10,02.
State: 3,11
